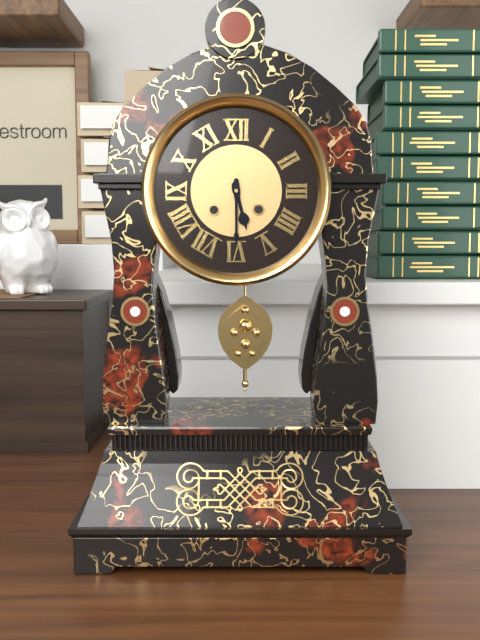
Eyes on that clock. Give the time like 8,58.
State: 5,30
